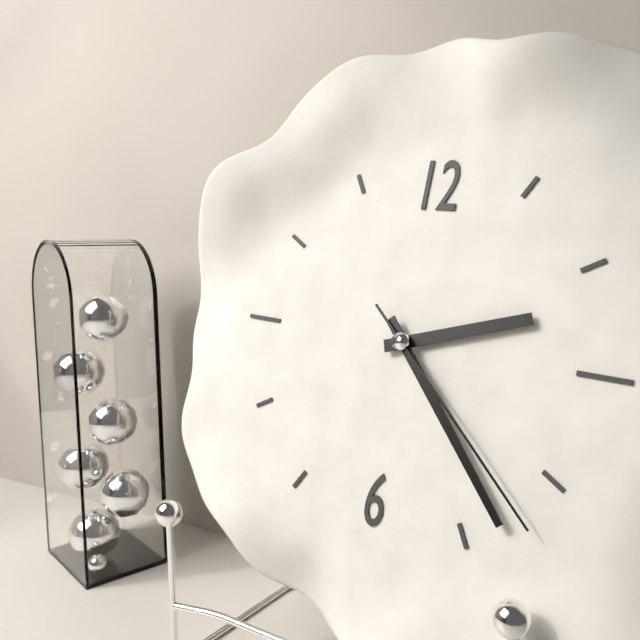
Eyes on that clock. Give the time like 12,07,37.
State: 2,23,22
